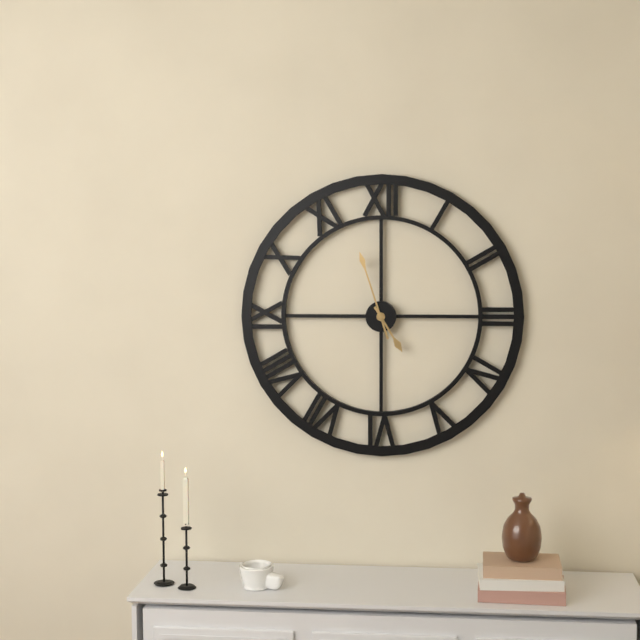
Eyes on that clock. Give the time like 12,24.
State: 4,57
